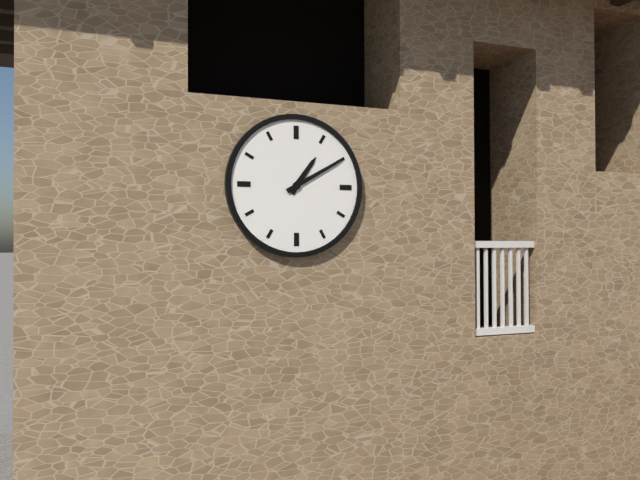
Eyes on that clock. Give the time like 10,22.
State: 1,10
